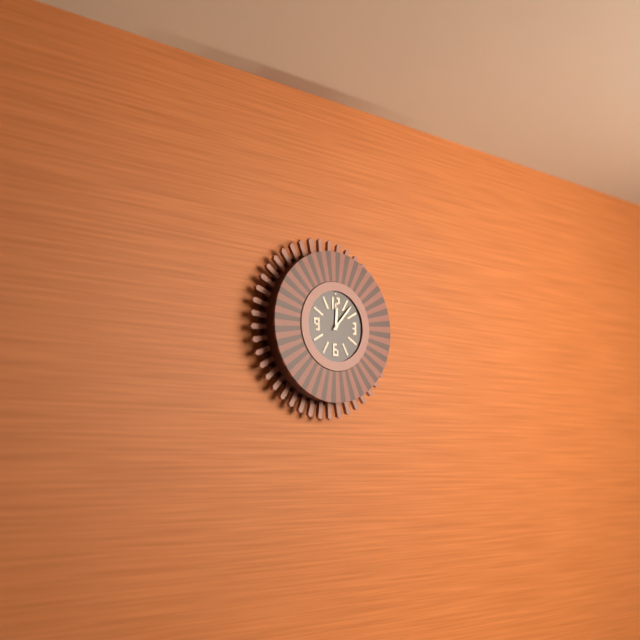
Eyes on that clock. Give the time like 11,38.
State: 12,07
